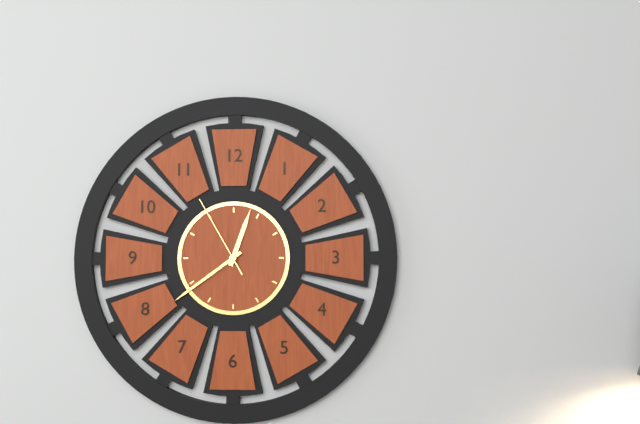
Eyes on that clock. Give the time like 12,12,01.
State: 12,39,55
